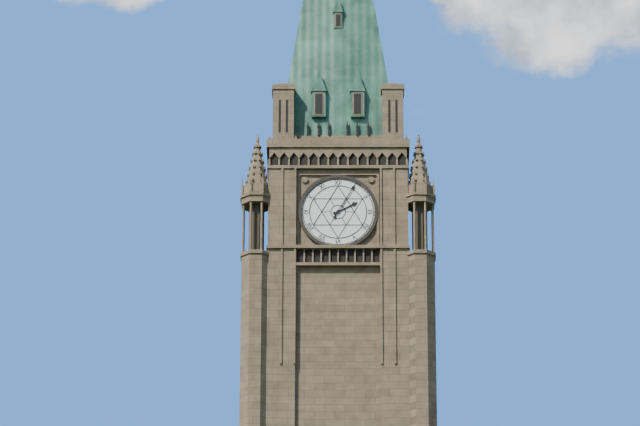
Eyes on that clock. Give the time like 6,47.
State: 2,05
